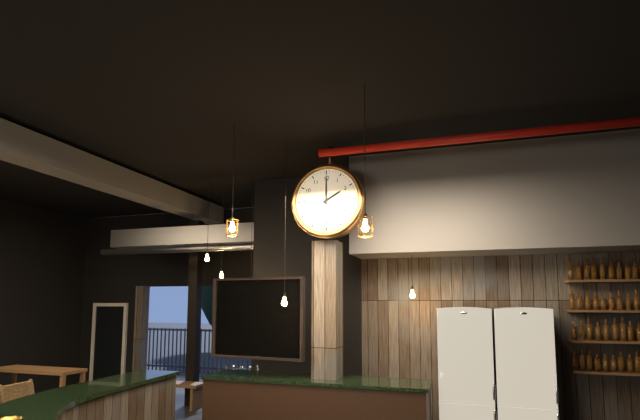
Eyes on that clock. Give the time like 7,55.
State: 2,00
